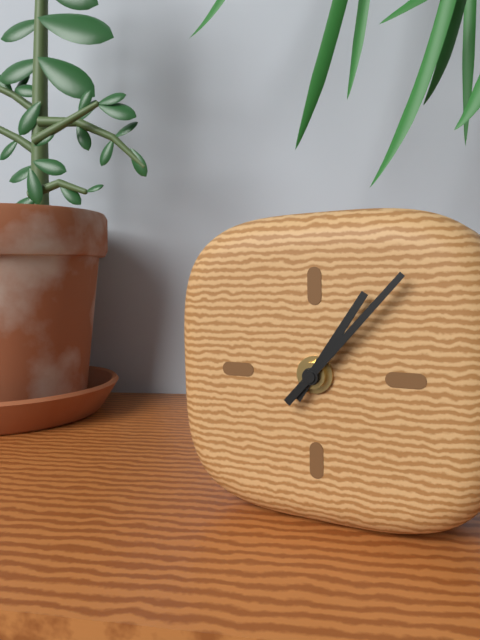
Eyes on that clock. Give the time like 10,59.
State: 1,07
